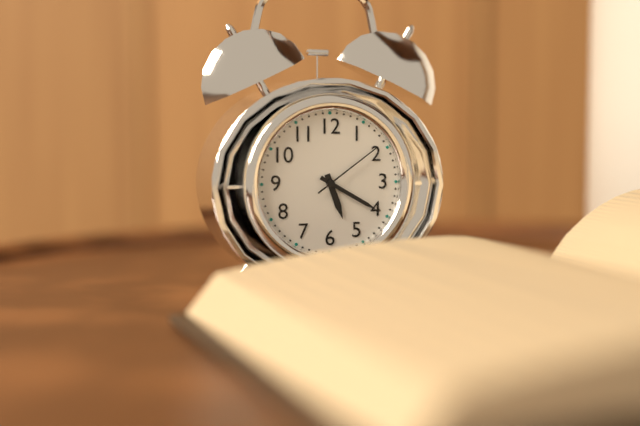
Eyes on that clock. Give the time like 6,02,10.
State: 5,20,09
